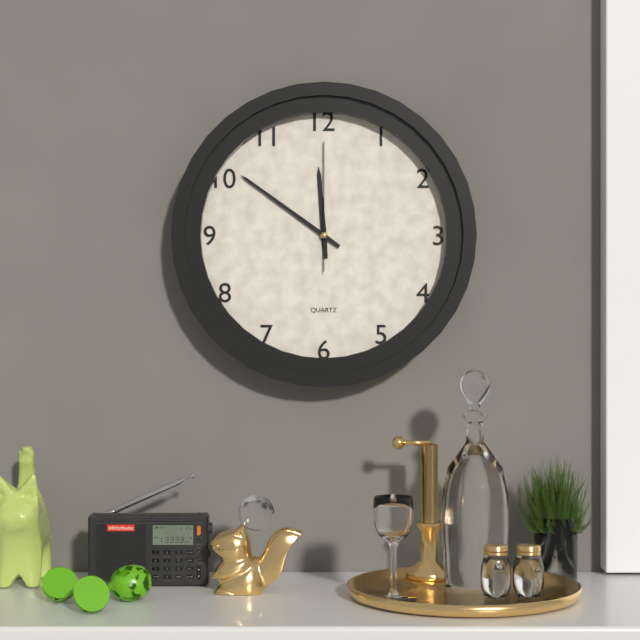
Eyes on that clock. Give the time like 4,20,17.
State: 11,51,00
